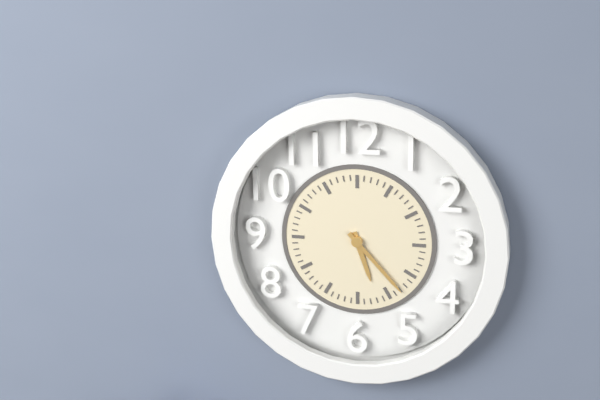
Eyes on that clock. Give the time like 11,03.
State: 5,23
